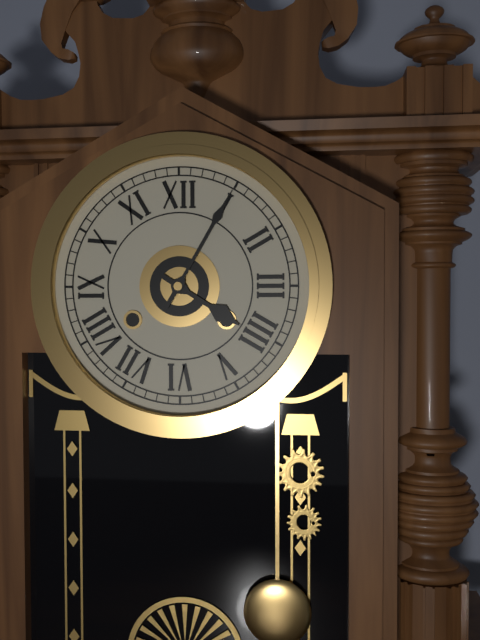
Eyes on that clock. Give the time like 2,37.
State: 4,05
